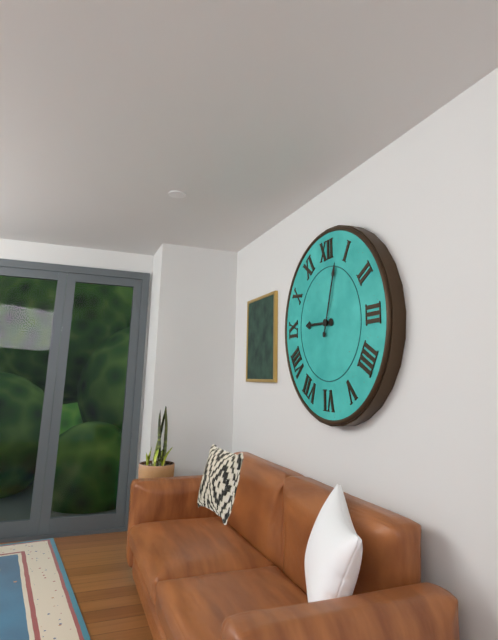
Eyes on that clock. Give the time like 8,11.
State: 9,03
